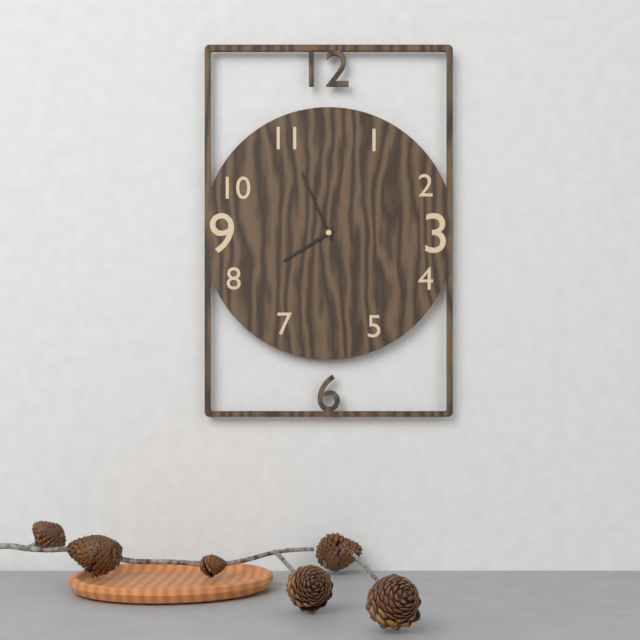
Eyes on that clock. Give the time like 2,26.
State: 7,56
